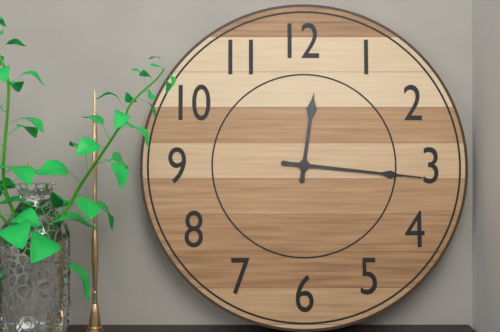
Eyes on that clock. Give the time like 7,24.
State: 12,16
